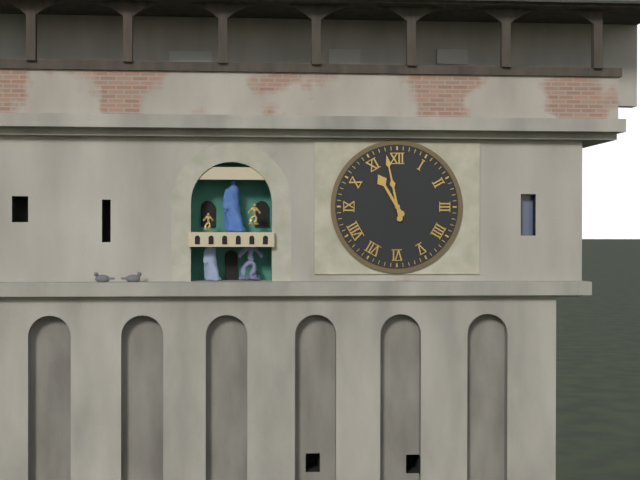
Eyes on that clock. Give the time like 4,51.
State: 10,58
